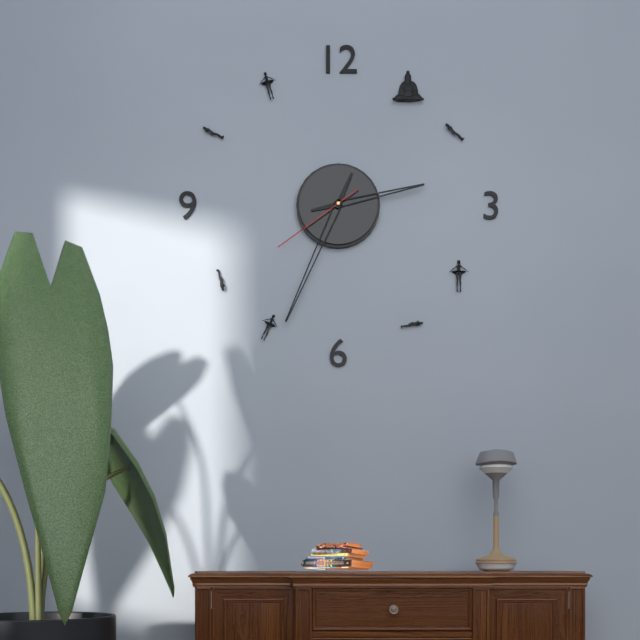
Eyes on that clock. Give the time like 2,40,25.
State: 2,34,39
